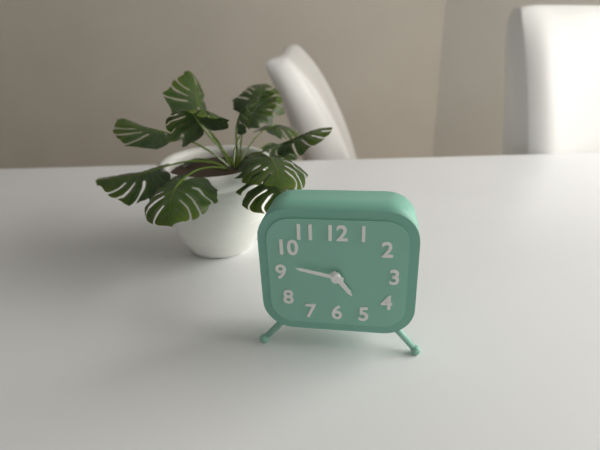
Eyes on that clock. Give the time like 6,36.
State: 4,47
